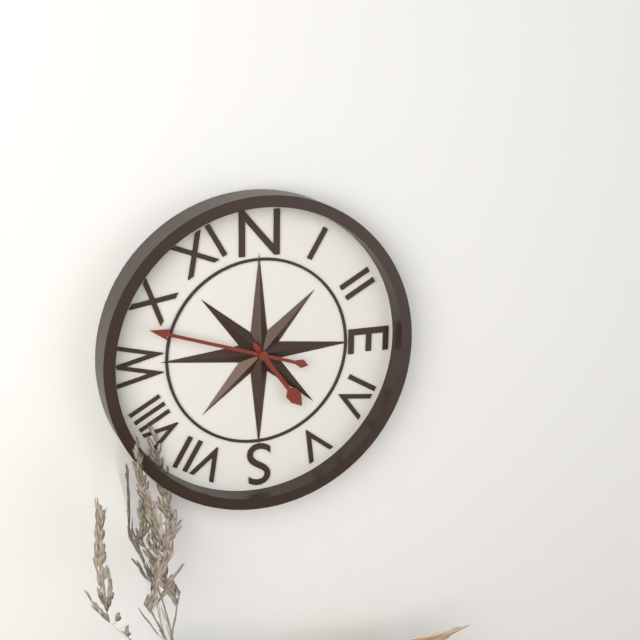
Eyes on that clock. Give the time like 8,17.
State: 4,48
